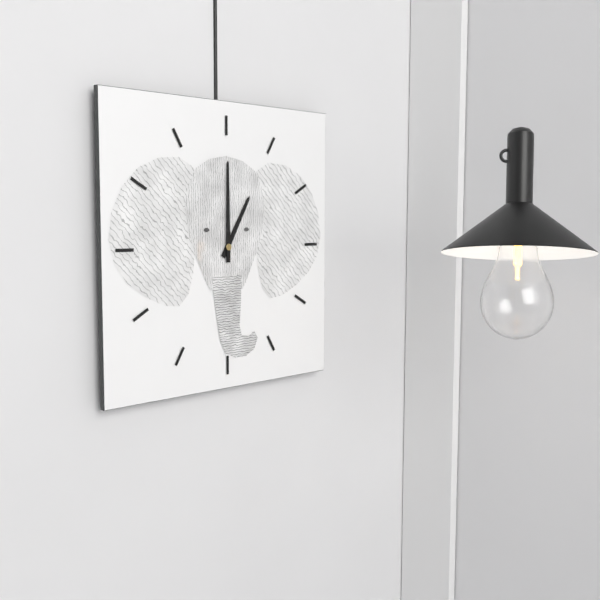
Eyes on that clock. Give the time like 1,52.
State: 1,00
